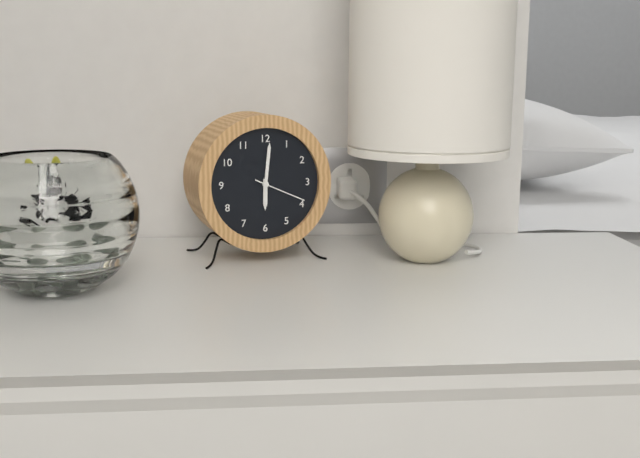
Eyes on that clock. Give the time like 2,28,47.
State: 6,01,19
